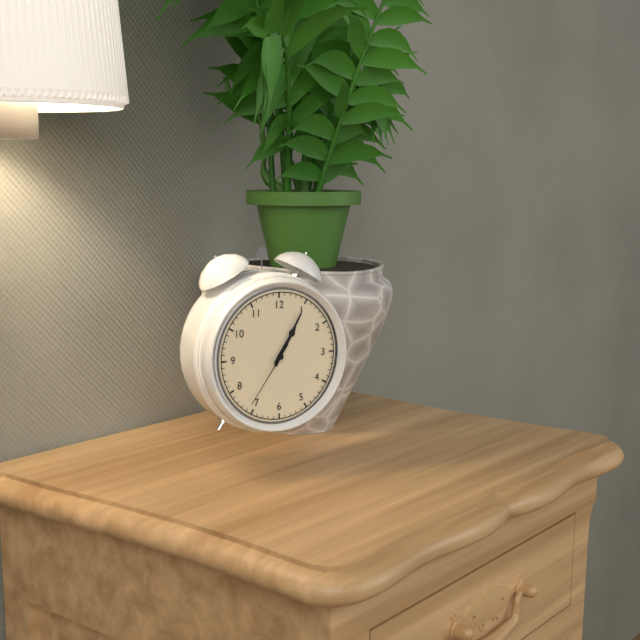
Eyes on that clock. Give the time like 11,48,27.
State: 1,05,36
